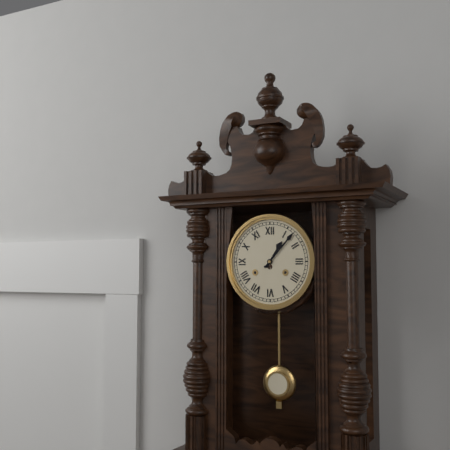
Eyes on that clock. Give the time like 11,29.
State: 1,07
